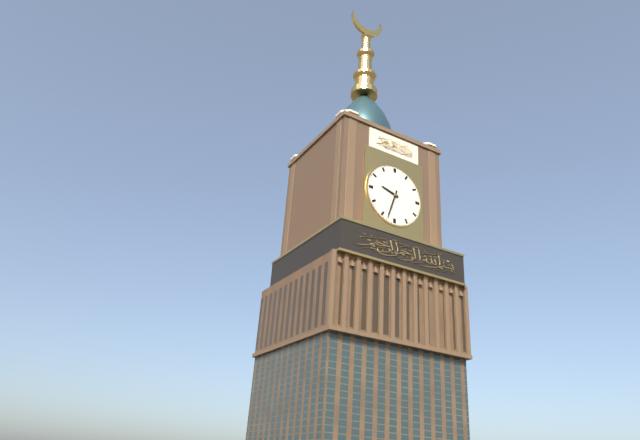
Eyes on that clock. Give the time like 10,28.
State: 9,33
